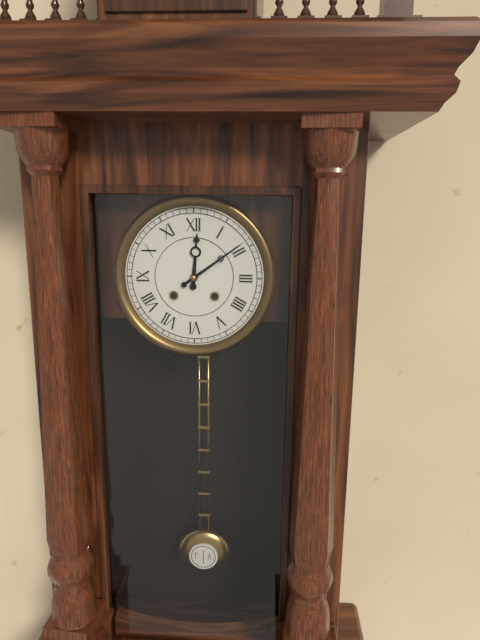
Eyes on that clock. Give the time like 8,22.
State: 12,09
